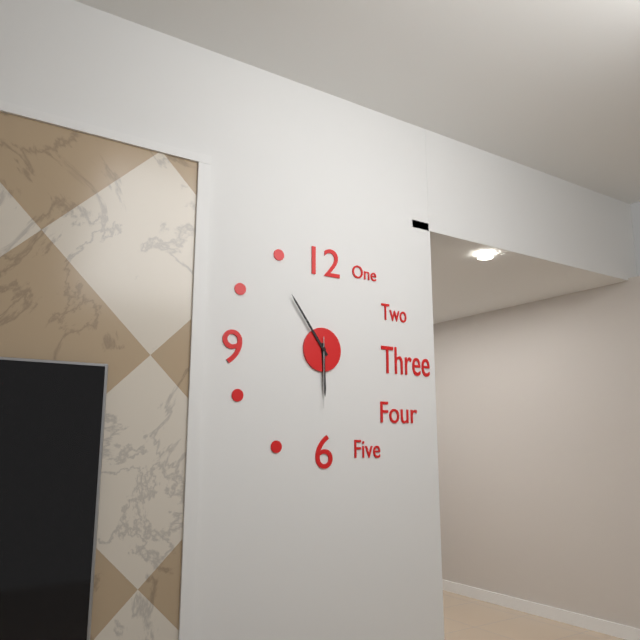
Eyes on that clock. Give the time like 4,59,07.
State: 5,54,30
